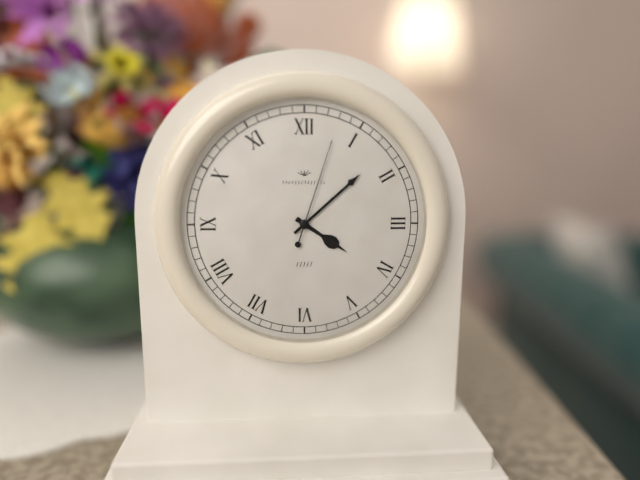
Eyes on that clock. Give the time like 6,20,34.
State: 4,08,03
